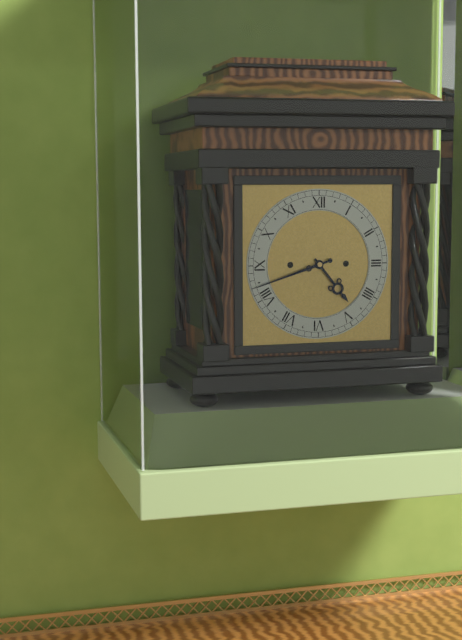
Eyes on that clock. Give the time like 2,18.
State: 4,42
